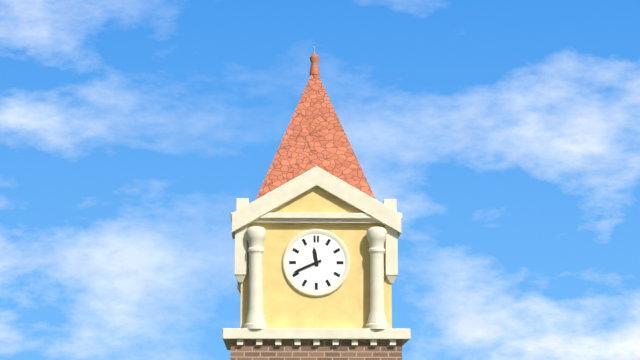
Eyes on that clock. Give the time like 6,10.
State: 11,41
